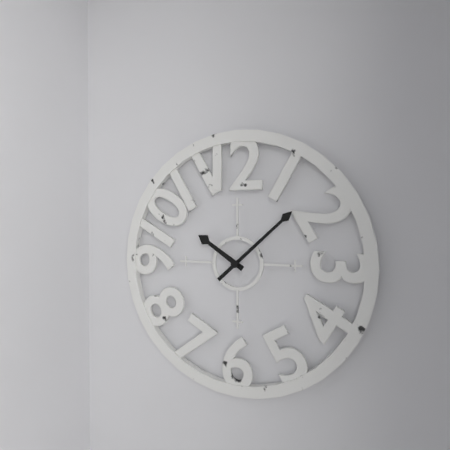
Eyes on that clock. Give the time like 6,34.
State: 10,08
